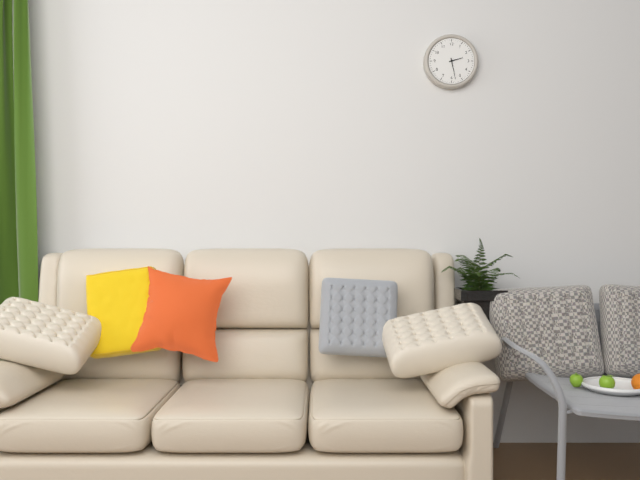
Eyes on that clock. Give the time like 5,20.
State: 2,28
